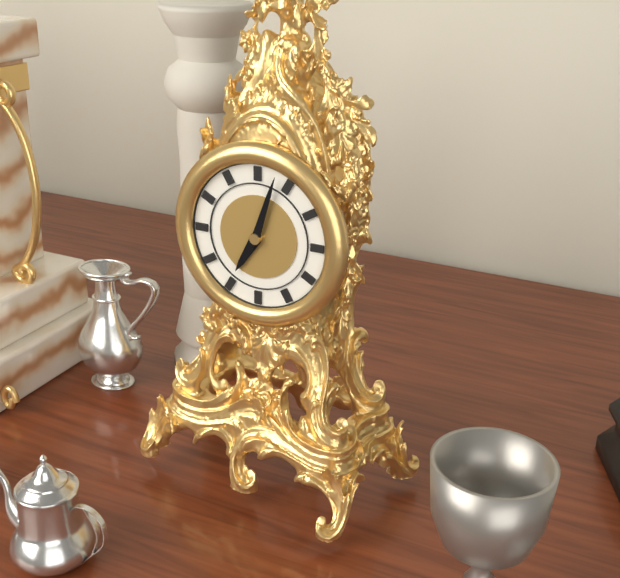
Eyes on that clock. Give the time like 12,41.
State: 7,03
